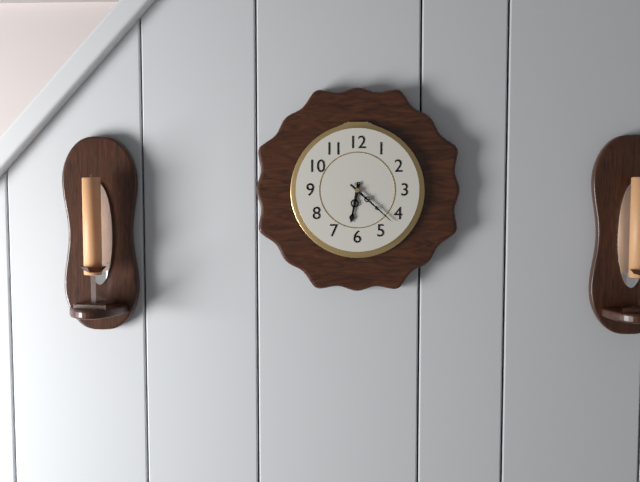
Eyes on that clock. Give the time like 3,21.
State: 6,22
